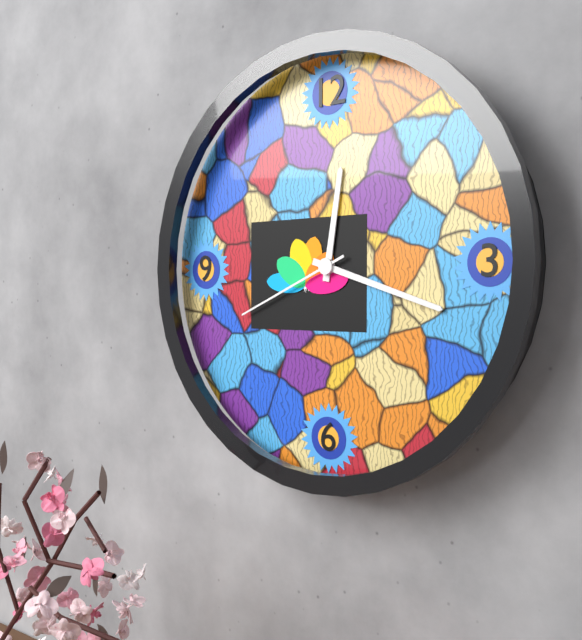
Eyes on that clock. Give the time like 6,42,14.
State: 12,18,41
